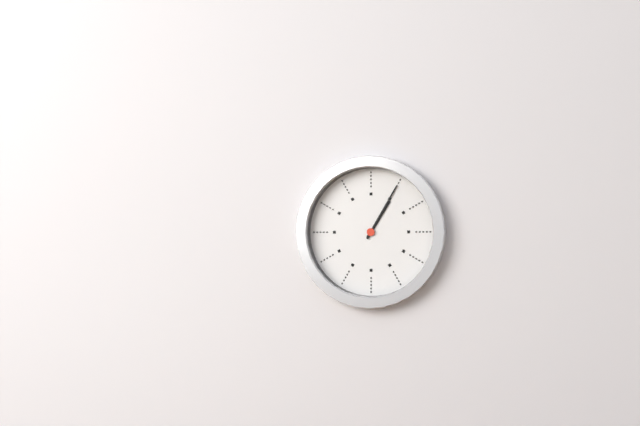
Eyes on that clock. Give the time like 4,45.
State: 1,05
